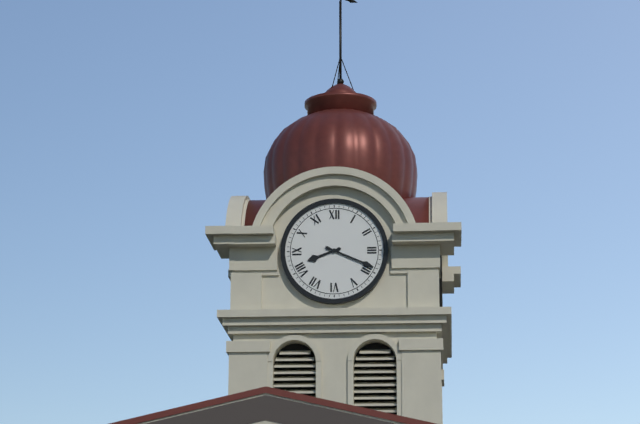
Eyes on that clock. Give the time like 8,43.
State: 8,19
